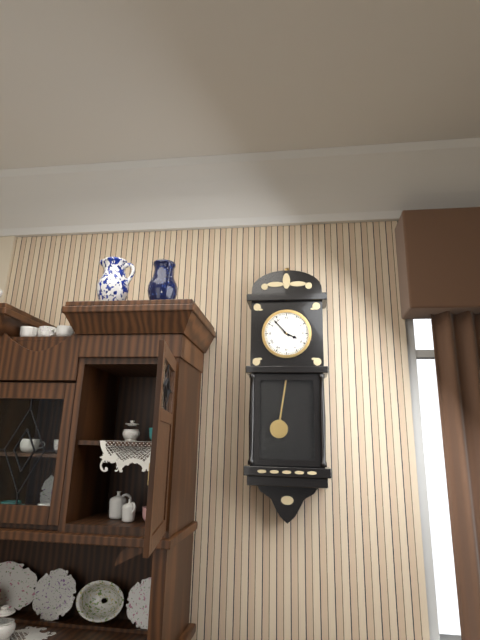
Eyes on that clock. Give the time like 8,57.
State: 3,53
